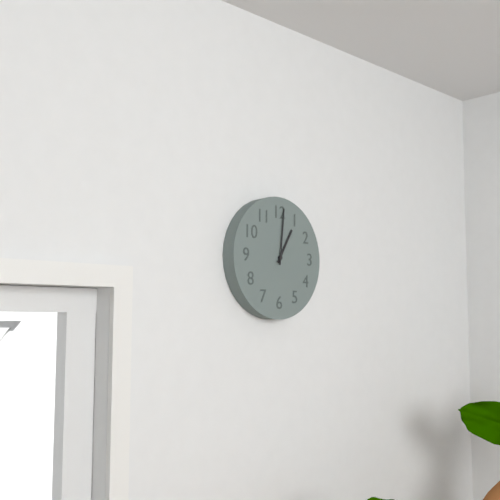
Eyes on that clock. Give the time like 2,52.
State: 1,01
